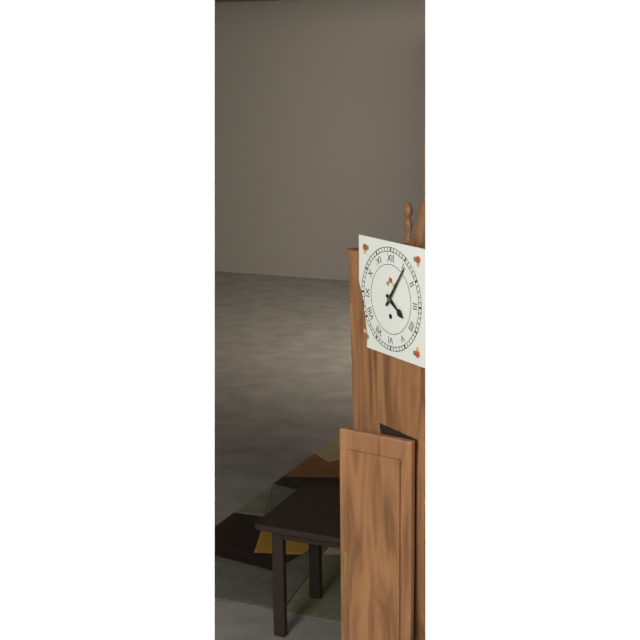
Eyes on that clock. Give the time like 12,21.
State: 4,06
